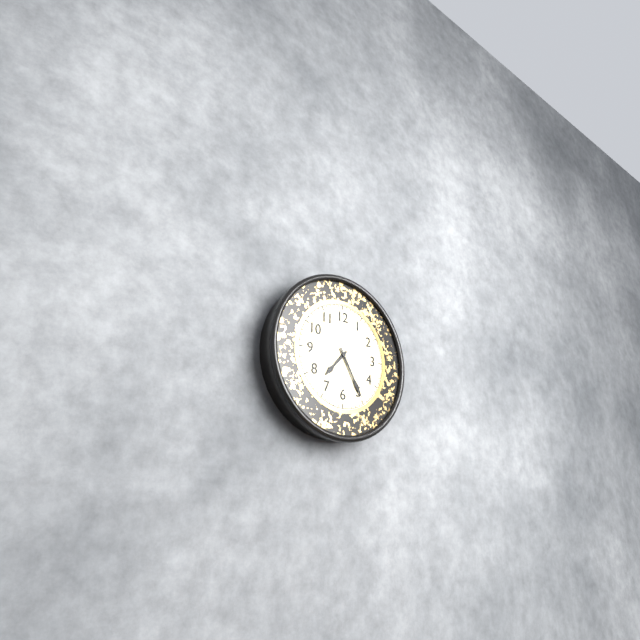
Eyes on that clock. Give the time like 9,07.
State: 7,25
